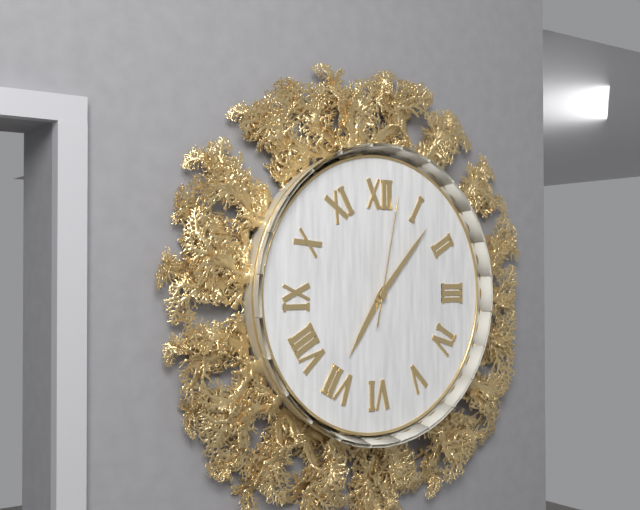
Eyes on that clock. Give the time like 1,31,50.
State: 7,07,02
